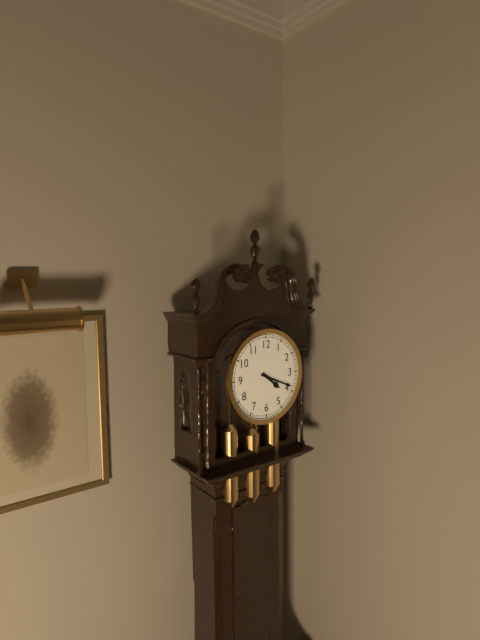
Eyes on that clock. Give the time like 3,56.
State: 4,19
